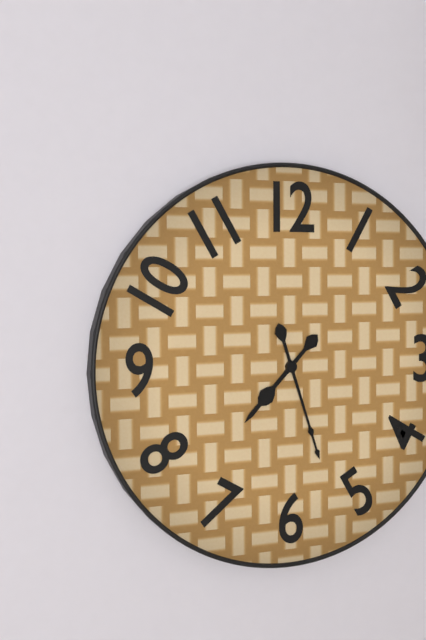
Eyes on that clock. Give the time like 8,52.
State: 7,27
